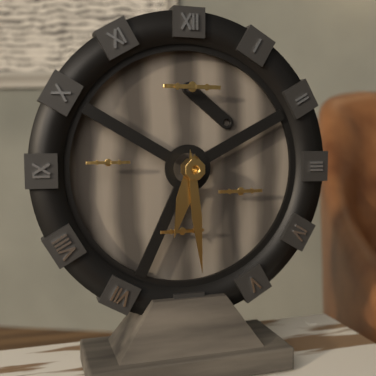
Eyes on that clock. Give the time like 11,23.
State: 6,29
